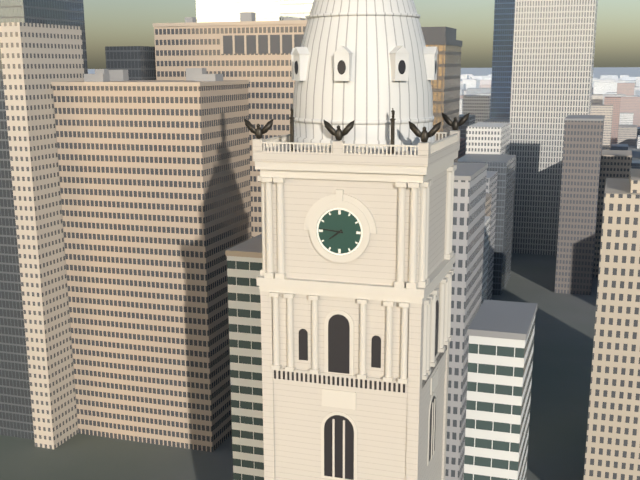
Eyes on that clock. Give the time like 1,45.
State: 7,46
